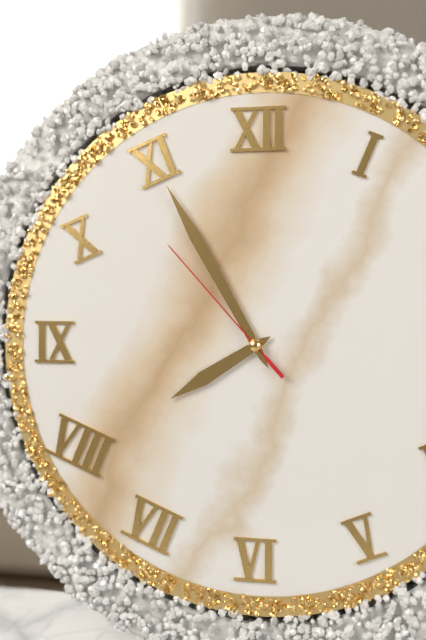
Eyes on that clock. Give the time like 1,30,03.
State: 7,55,53
